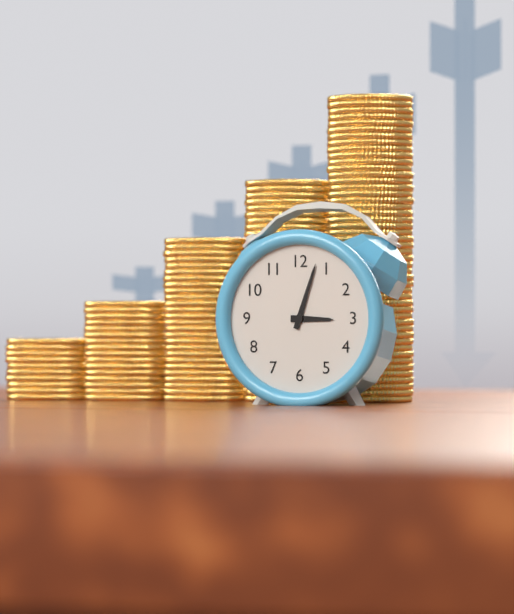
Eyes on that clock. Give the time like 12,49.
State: 3,03
